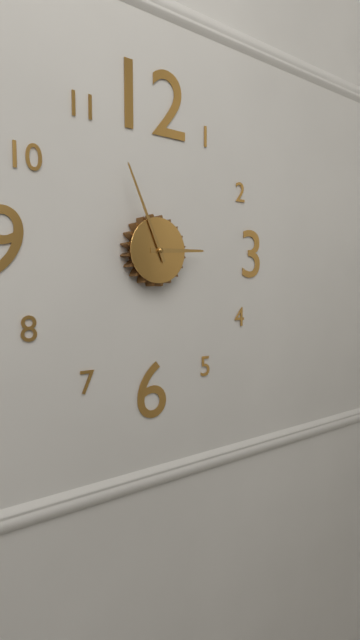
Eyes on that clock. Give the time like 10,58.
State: 2,56
